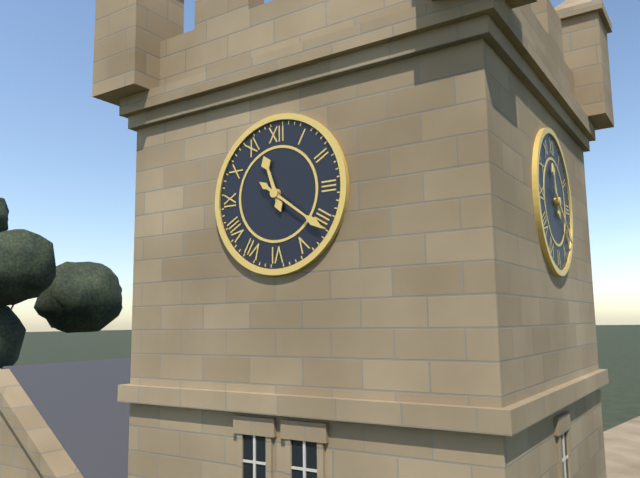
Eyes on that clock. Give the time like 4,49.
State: 11,21
